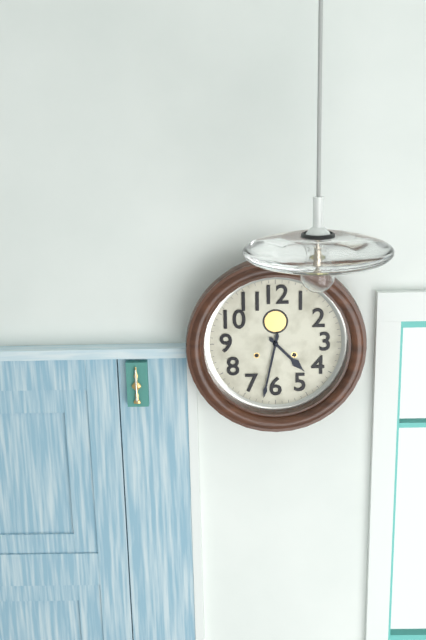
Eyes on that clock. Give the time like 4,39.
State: 4,32
